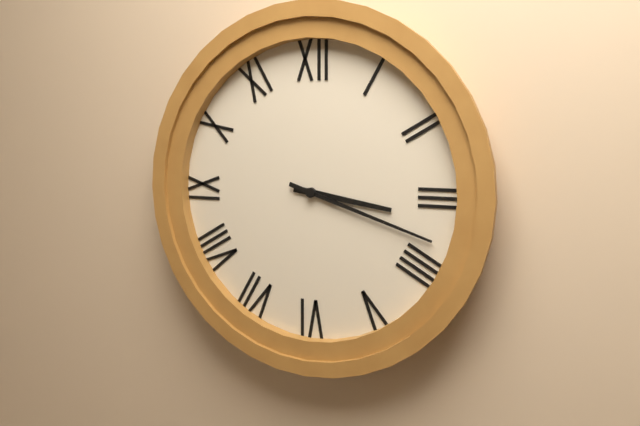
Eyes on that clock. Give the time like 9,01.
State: 3,18
